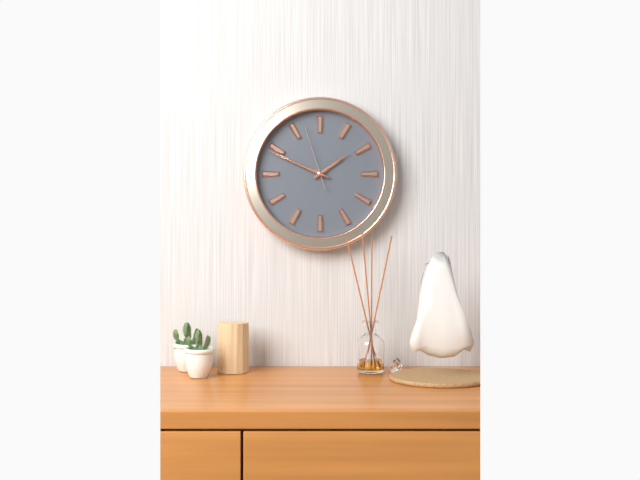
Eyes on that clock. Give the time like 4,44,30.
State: 1,49,57
